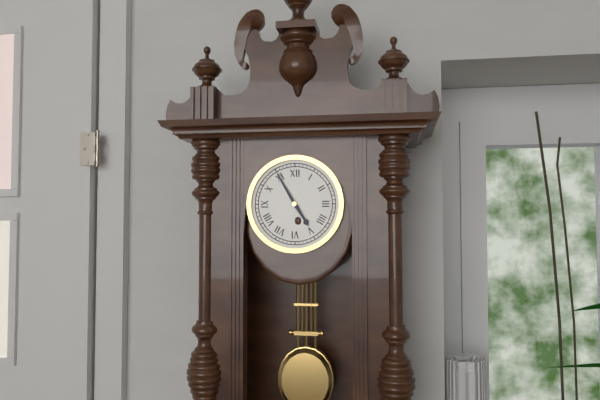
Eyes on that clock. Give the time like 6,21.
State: 4,55
